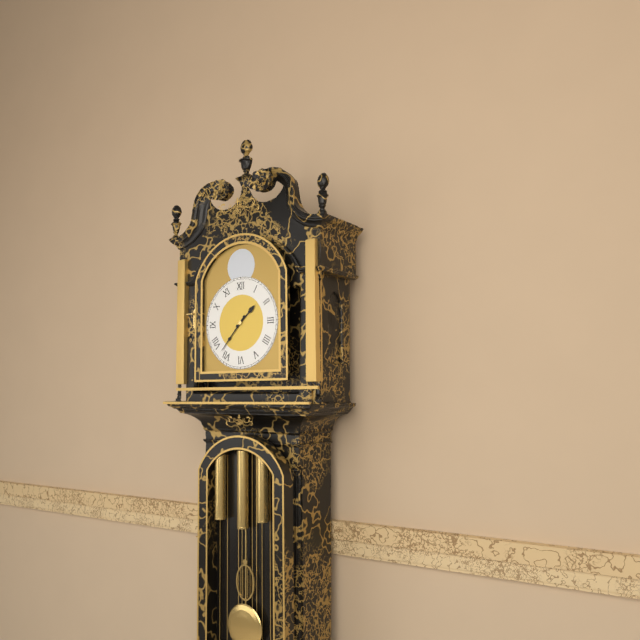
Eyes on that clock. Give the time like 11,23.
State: 1,37
